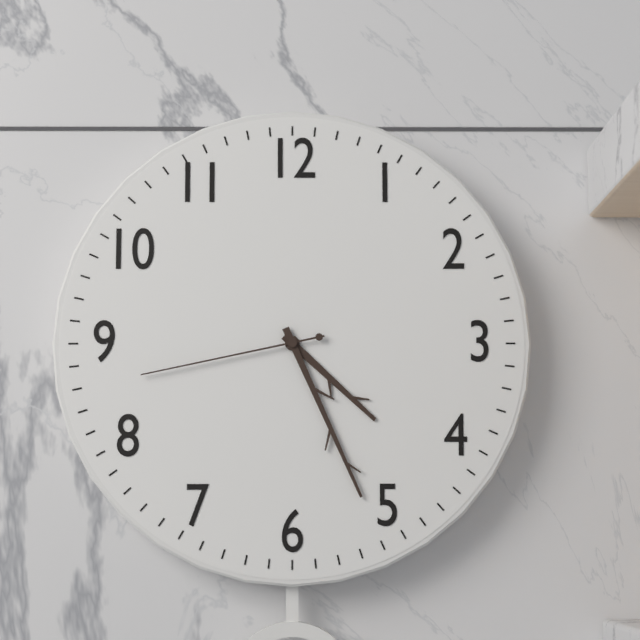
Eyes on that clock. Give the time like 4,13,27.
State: 4,26,43
